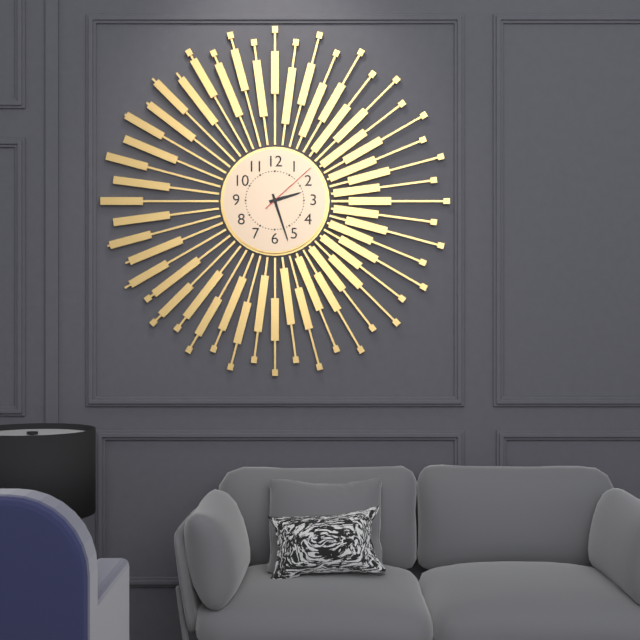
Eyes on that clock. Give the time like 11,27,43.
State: 2,27,08
